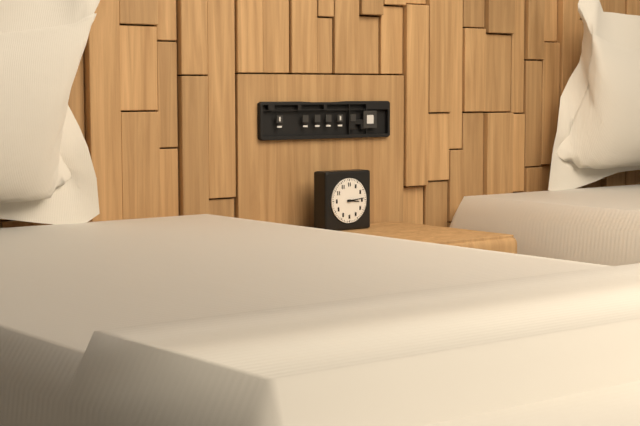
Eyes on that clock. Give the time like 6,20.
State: 3,14
